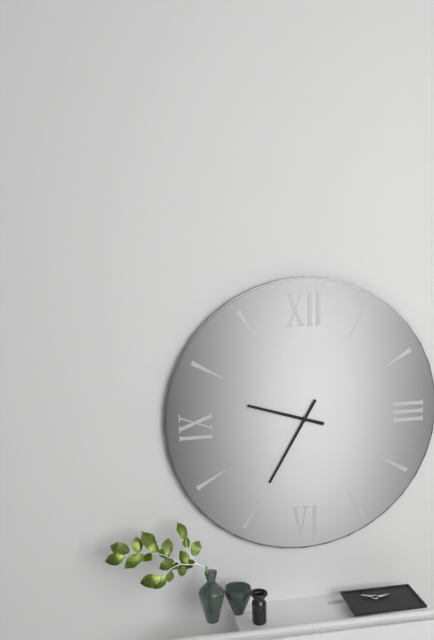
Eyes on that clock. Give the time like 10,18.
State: 9,35
